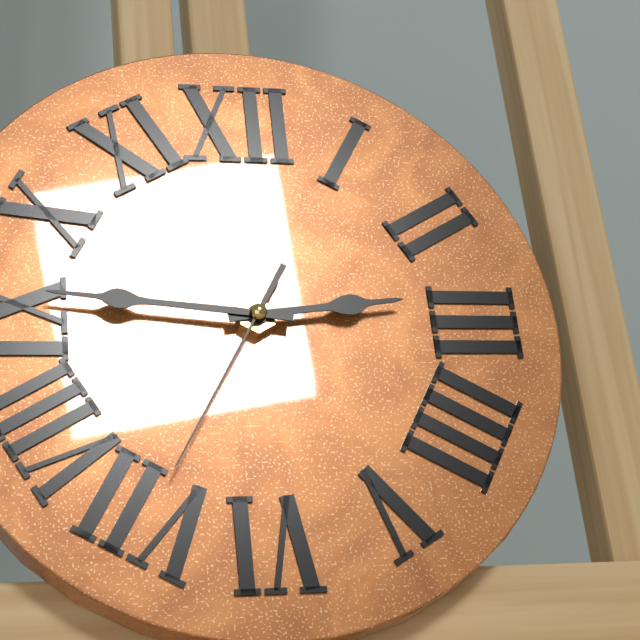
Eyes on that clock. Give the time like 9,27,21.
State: 2,46,35
